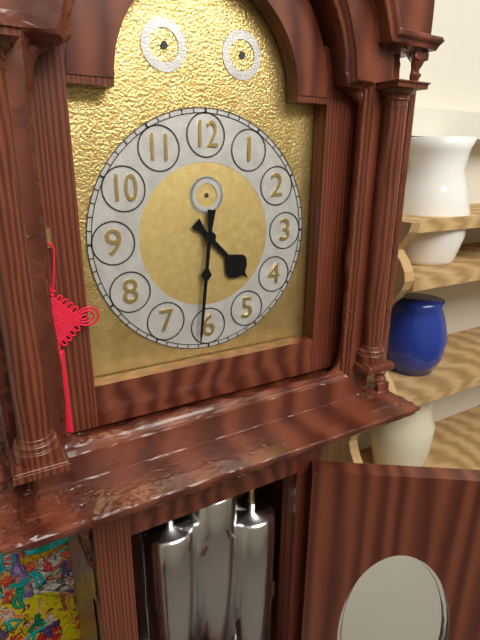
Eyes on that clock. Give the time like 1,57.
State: 4,31
